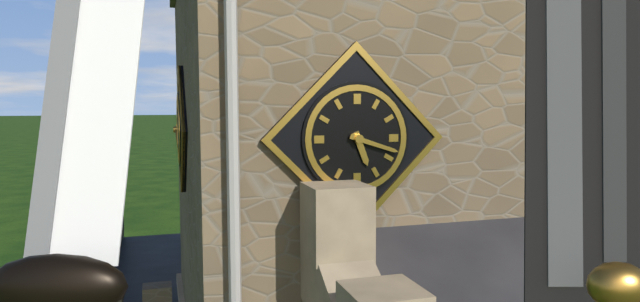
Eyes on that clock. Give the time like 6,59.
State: 5,18
